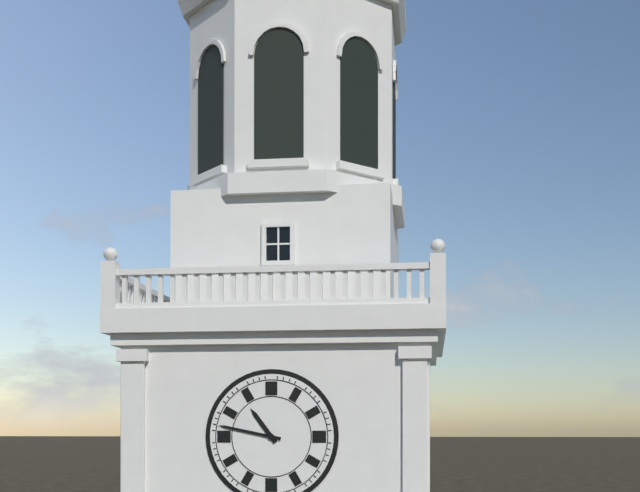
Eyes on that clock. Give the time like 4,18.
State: 10,47
